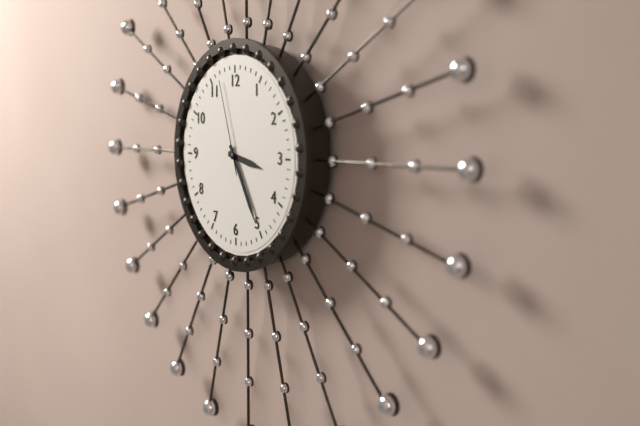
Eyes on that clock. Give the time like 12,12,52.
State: 3,25,57
